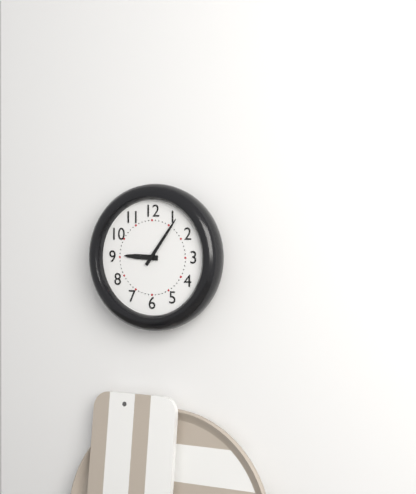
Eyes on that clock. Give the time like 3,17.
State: 9,06
